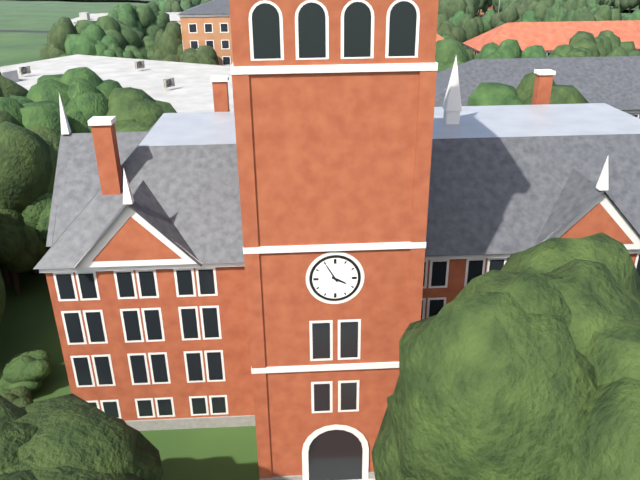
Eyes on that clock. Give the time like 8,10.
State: 3,55
